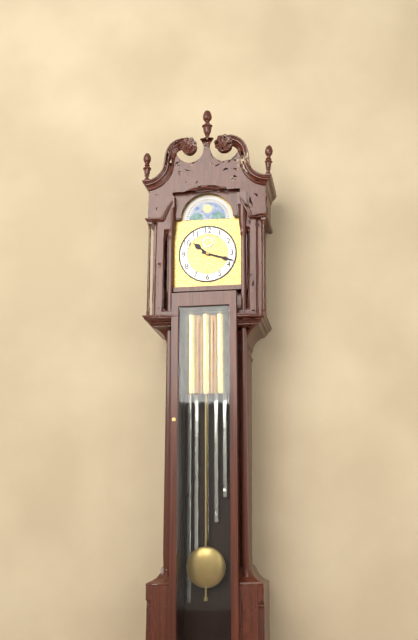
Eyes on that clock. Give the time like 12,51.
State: 10,18
